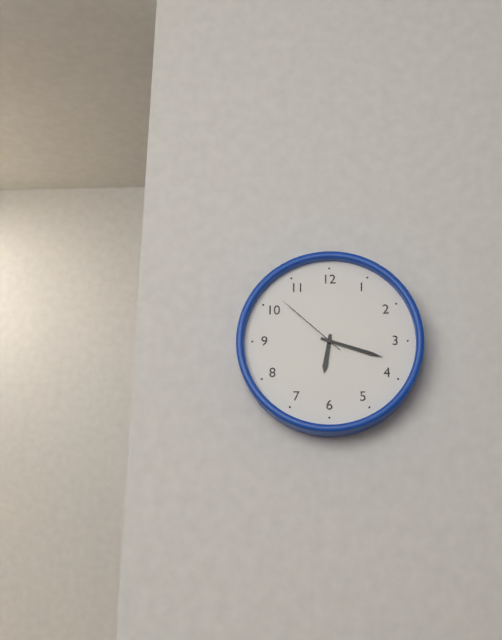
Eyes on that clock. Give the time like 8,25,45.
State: 6,18,52
